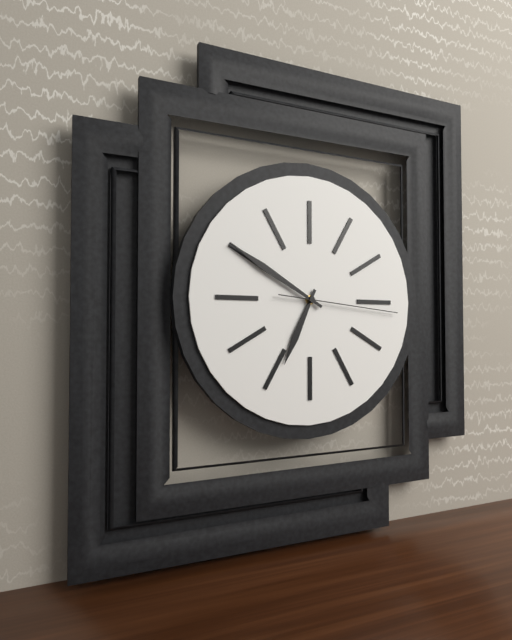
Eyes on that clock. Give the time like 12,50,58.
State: 6,50,16
